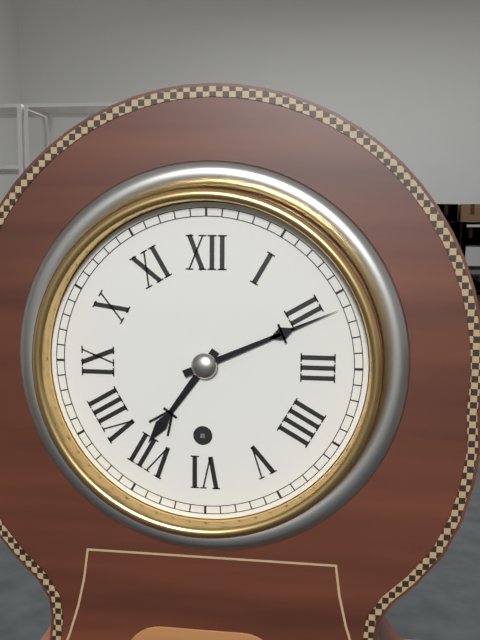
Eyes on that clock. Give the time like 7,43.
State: 7,11
